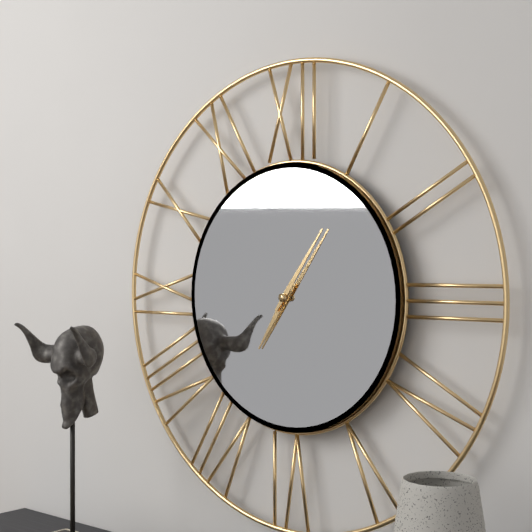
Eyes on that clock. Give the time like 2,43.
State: 7,06
